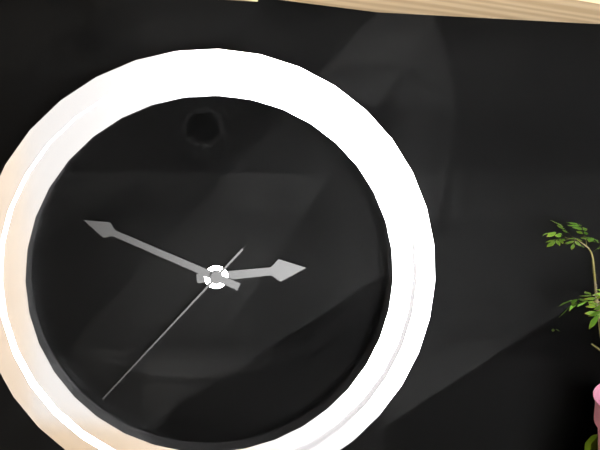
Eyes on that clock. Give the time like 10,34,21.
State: 2,49,37
